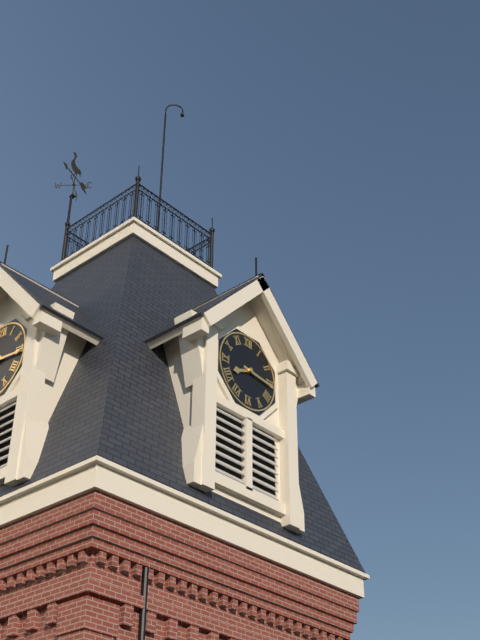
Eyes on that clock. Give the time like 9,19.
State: 8,16
